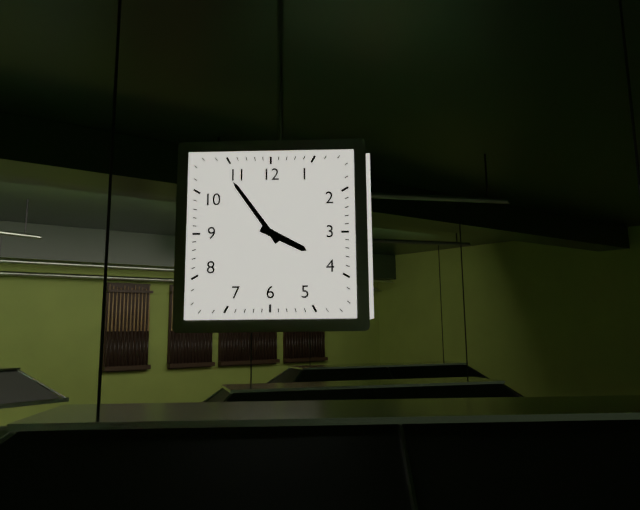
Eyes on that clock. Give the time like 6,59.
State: 3,54
